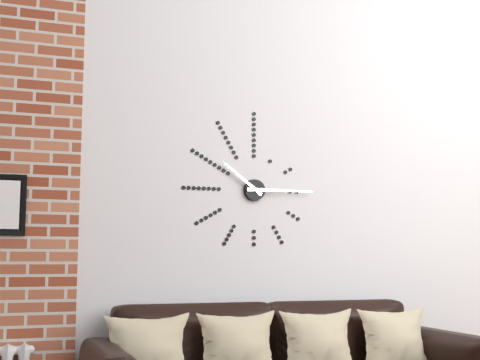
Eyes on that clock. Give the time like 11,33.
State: 10,15
